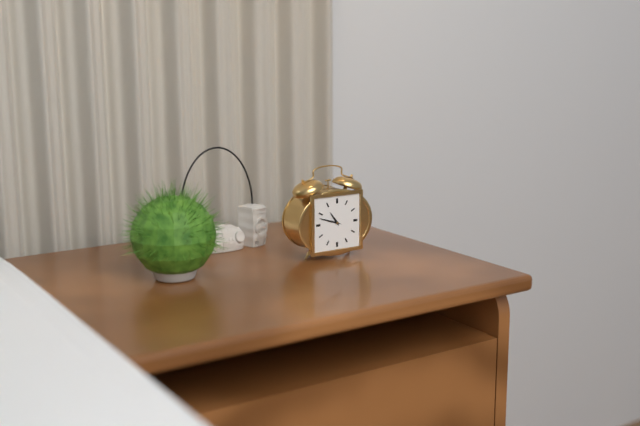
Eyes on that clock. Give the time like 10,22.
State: 10,48
